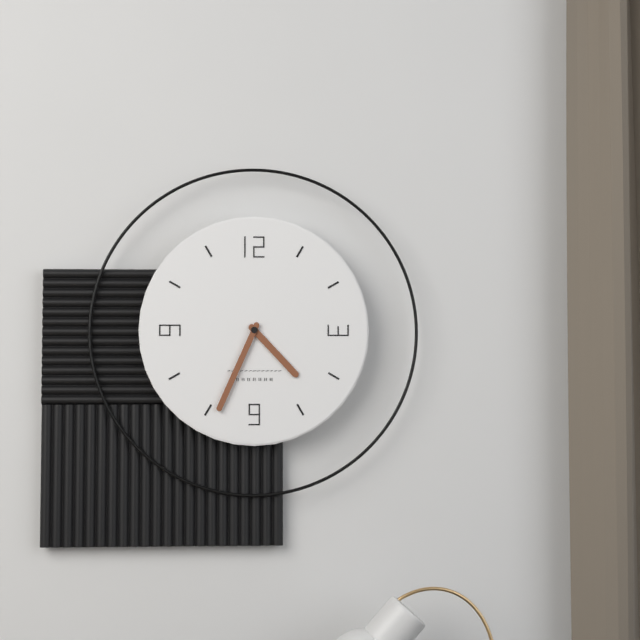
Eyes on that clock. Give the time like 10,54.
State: 4,34
